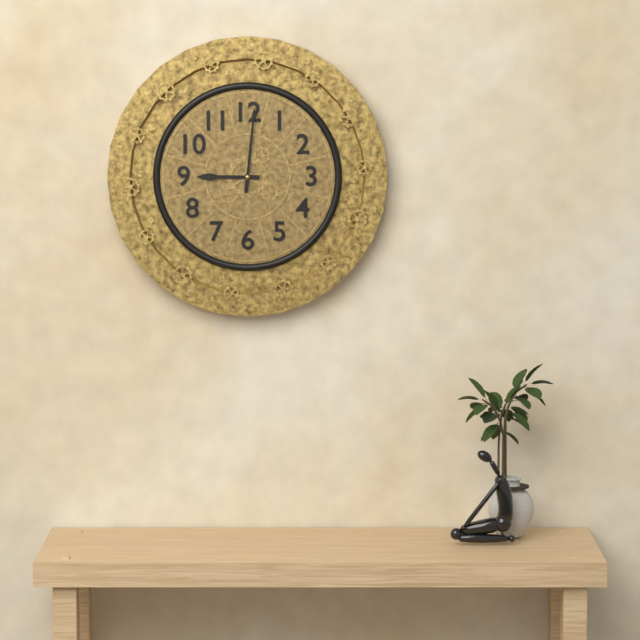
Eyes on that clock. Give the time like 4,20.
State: 9,01
